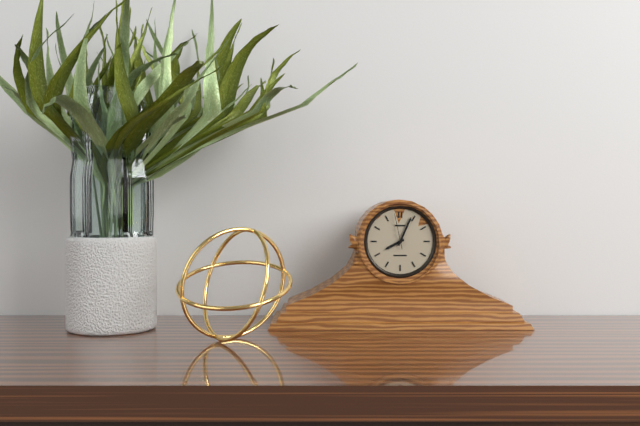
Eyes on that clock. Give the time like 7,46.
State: 8,04
